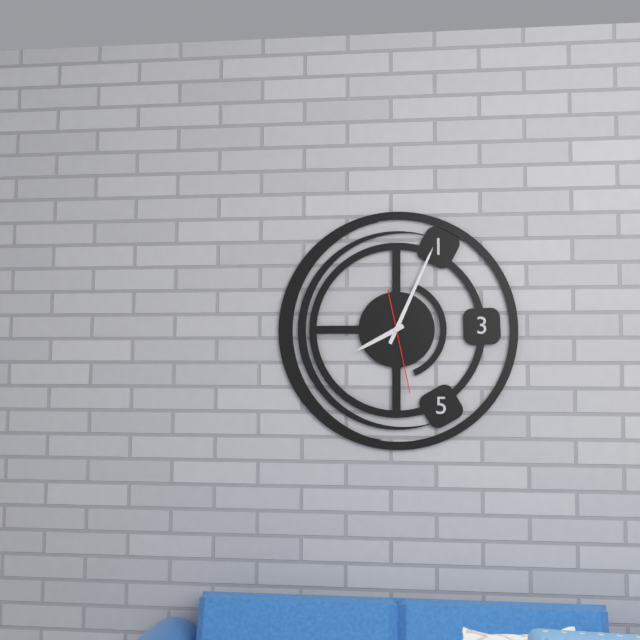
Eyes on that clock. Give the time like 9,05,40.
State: 8,04,28
